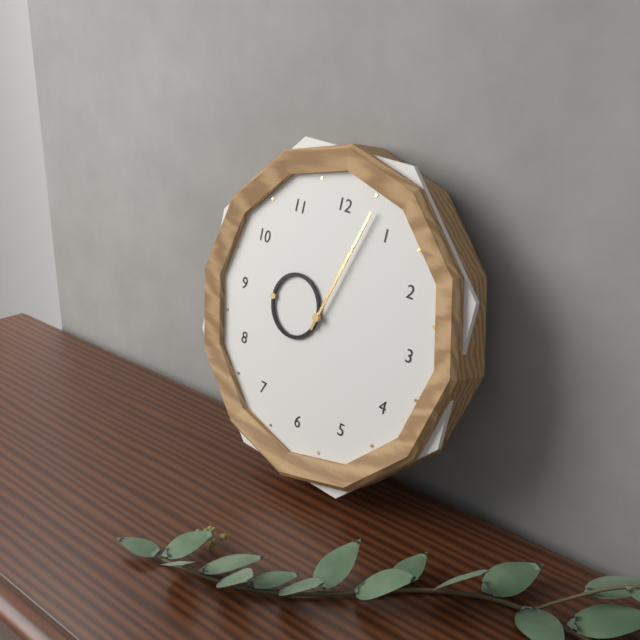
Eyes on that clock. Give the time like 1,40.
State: 9,03
